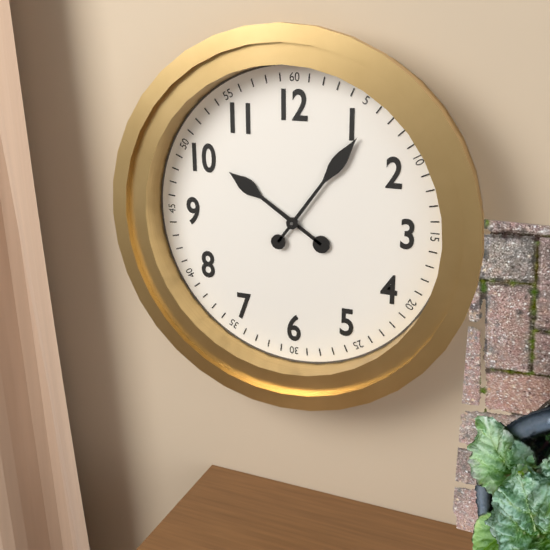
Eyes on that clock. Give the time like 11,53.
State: 10,06
